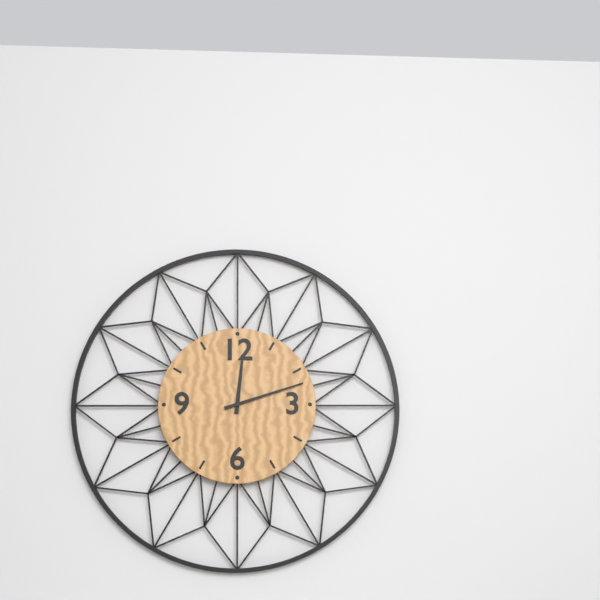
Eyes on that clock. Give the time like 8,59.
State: 12,12
